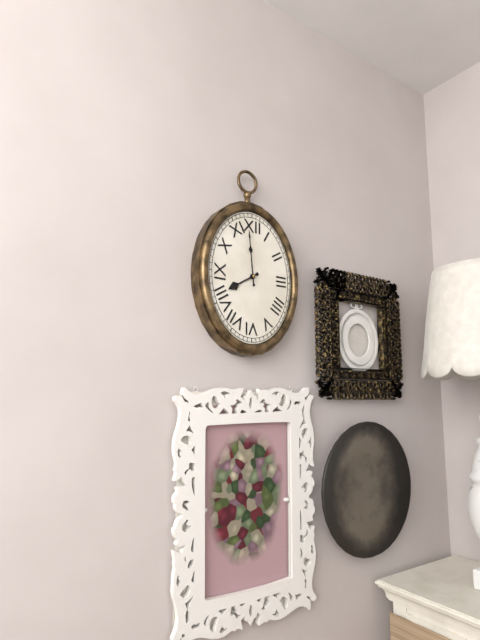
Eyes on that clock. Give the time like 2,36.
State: 7,59
